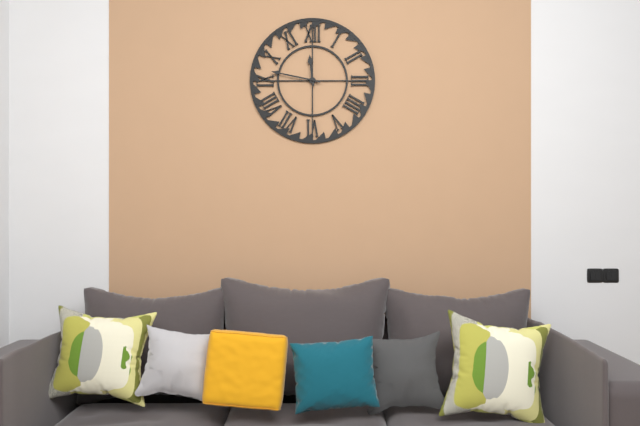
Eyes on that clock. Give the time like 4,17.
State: 11,47
